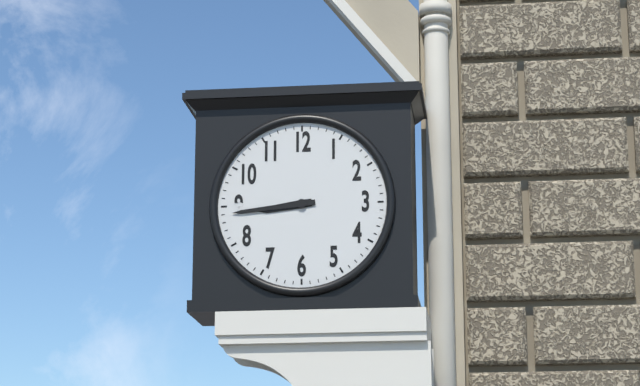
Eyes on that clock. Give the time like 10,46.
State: 8,44
